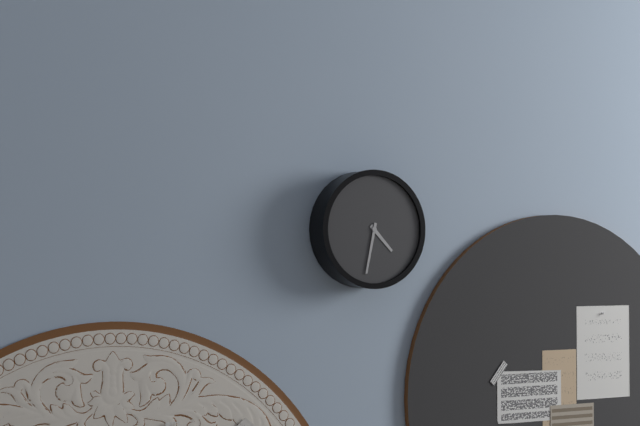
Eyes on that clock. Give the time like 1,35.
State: 4,32
